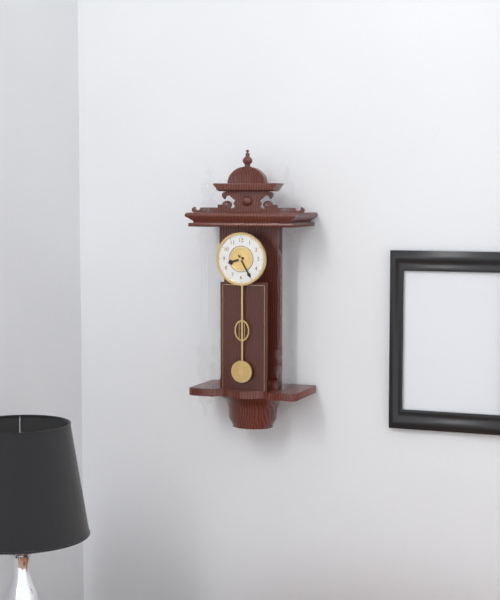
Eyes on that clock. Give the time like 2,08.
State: 8,25
